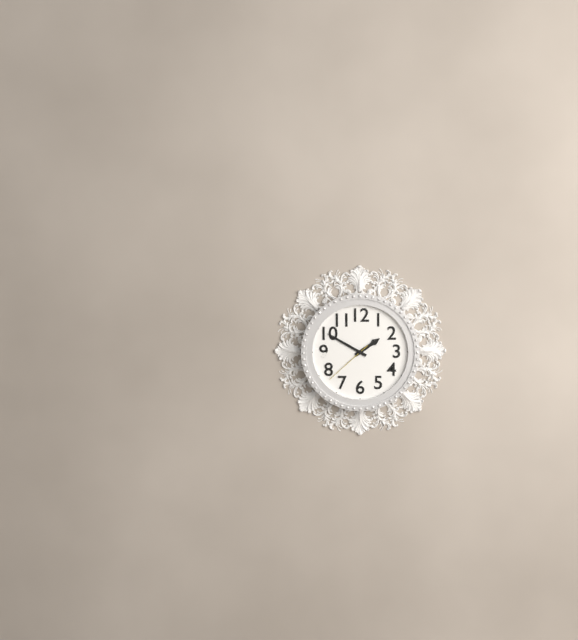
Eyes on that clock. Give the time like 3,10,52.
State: 1,50,38
